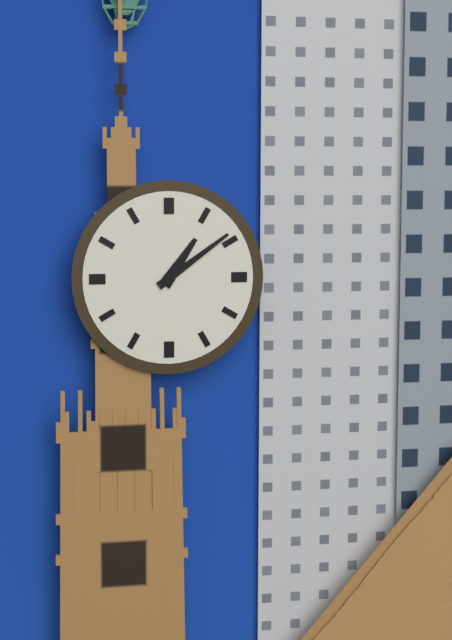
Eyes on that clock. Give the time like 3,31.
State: 1,09
